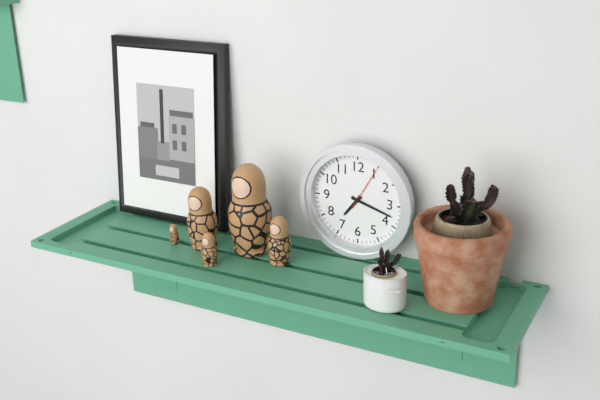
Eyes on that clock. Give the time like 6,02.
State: 7,18
